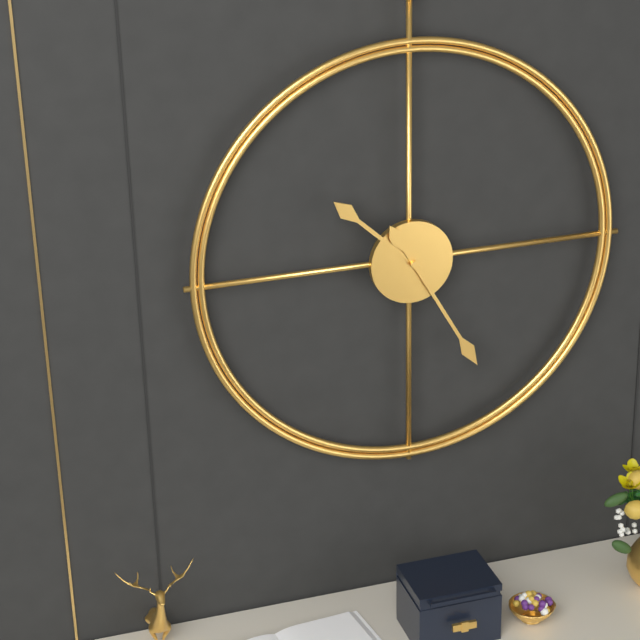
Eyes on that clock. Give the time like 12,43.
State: 10,25
